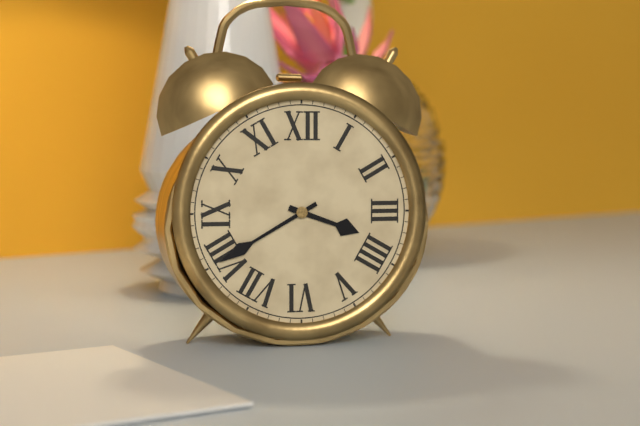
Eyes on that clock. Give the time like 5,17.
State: 3,40
